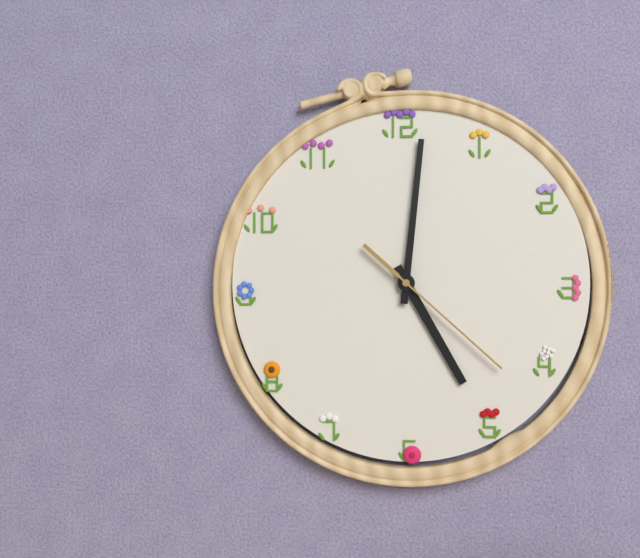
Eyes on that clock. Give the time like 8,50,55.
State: 5,01,22
